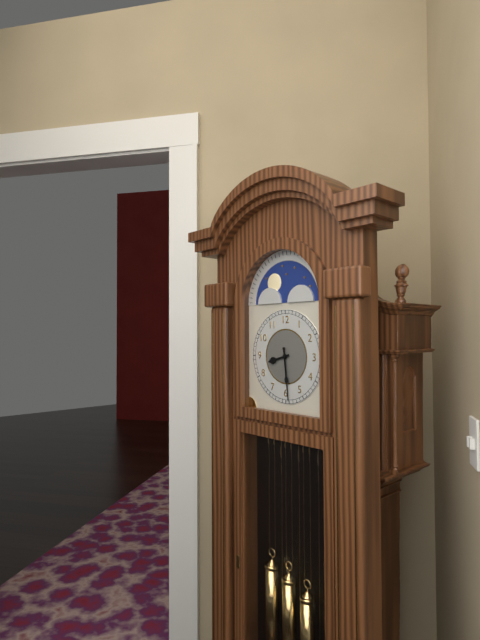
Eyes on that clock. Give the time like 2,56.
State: 8,29
